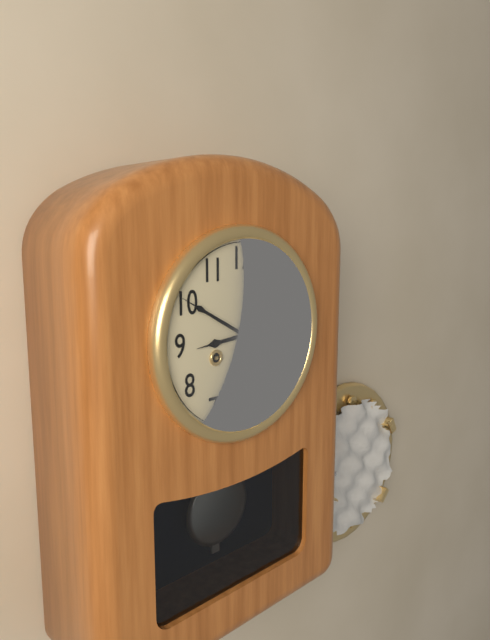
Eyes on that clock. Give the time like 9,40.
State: 8,50
